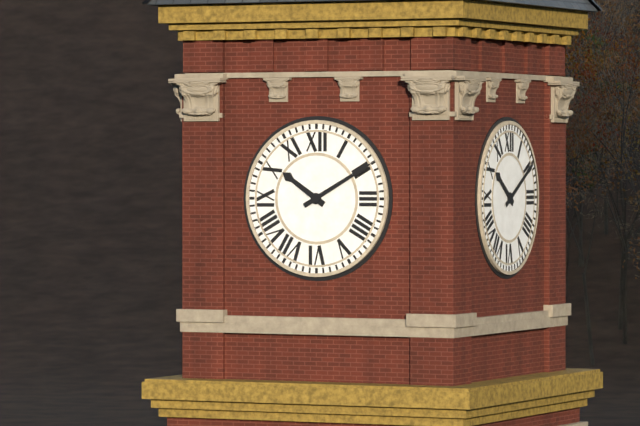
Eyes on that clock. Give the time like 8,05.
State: 10,10
